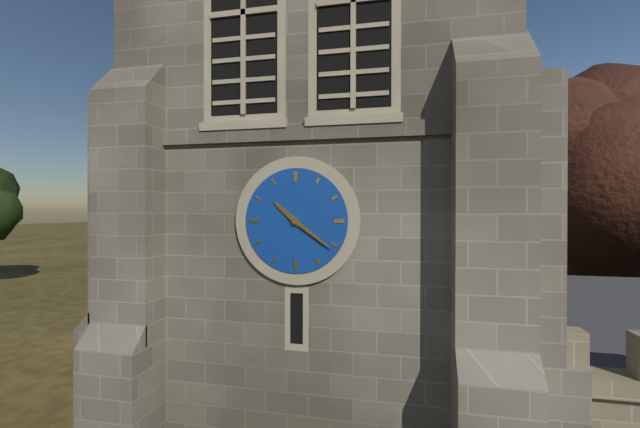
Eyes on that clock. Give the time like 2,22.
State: 10,21
